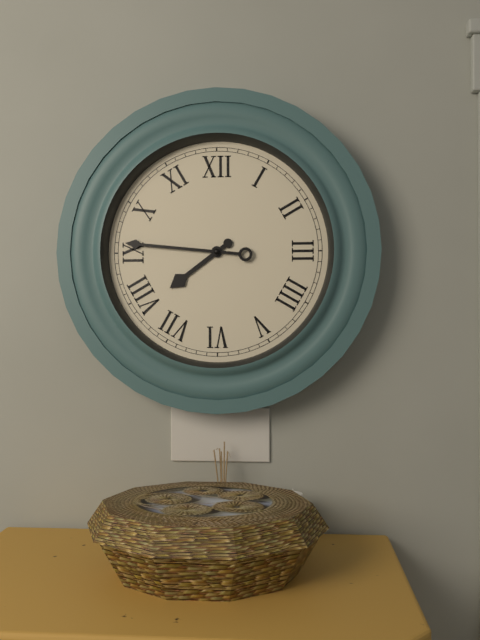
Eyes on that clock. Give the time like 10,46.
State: 7,46
